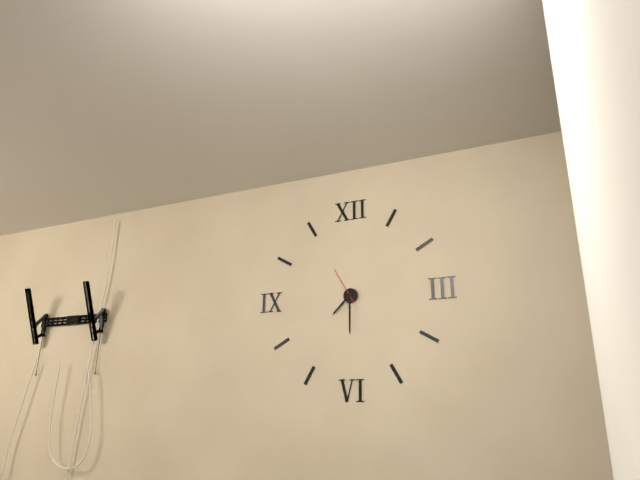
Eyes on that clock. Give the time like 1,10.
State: 7,30
